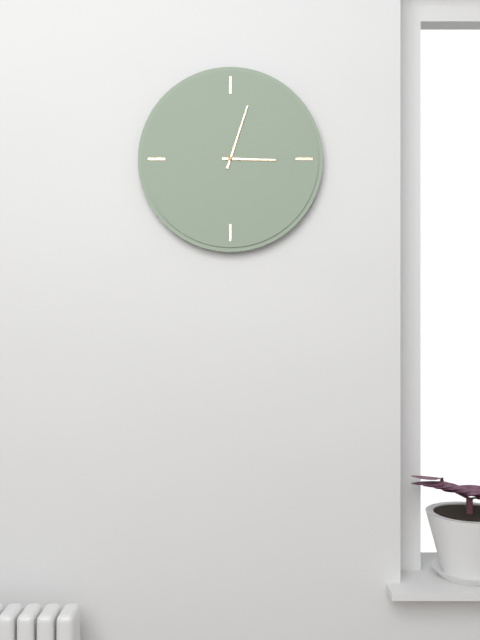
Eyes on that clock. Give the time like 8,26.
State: 3,03
